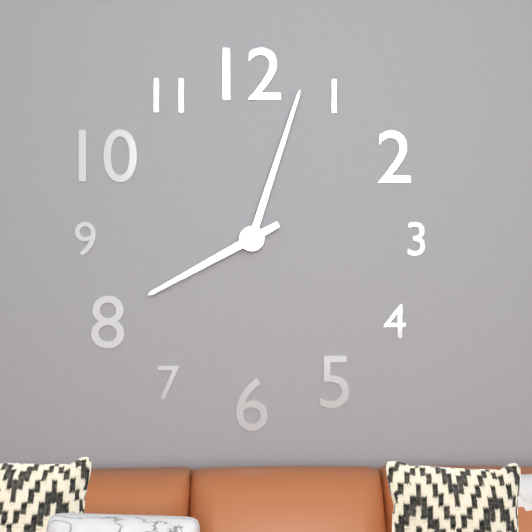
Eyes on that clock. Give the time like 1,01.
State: 8,03
